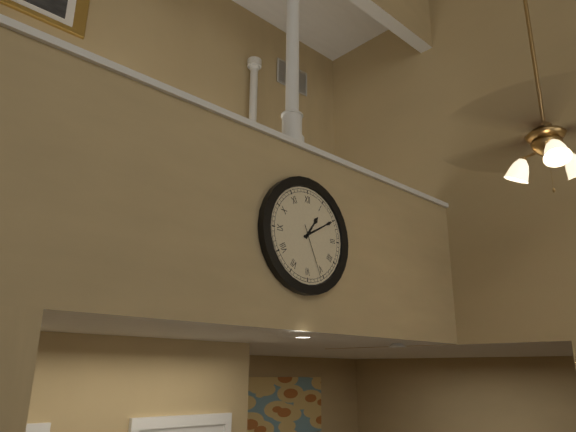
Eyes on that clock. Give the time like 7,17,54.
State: 1,10,26
